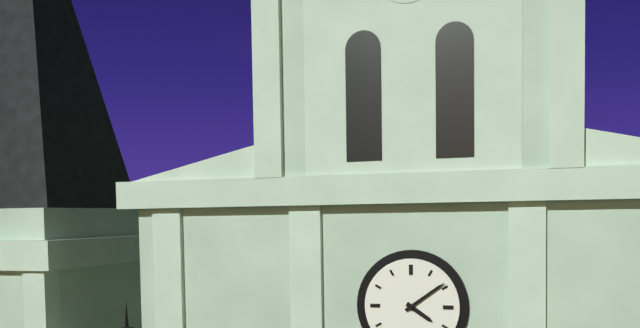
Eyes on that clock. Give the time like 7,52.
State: 4,09
